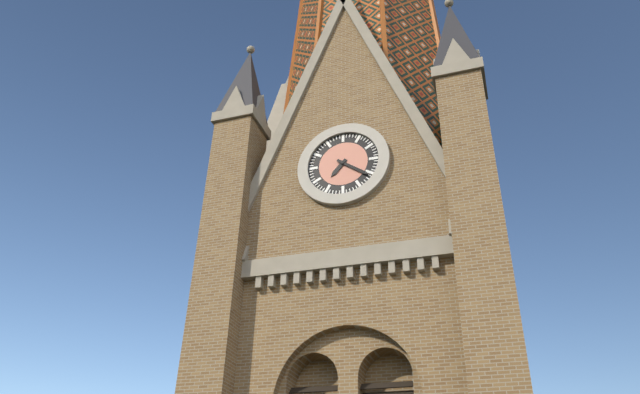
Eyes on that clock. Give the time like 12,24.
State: 7,21
